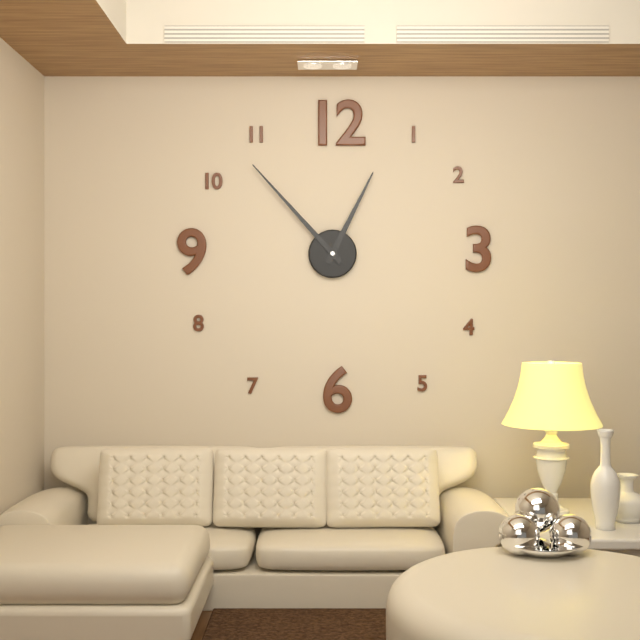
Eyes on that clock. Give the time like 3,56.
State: 12,53
